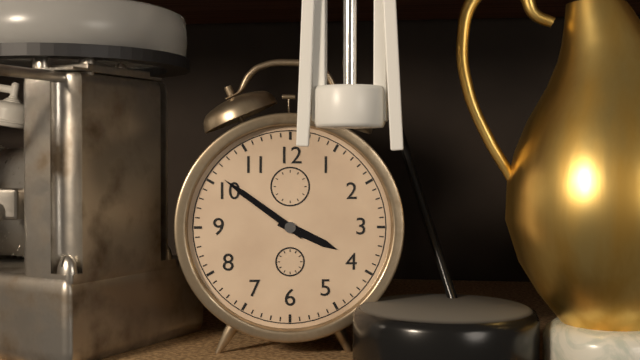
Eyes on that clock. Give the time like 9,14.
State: 3,51
